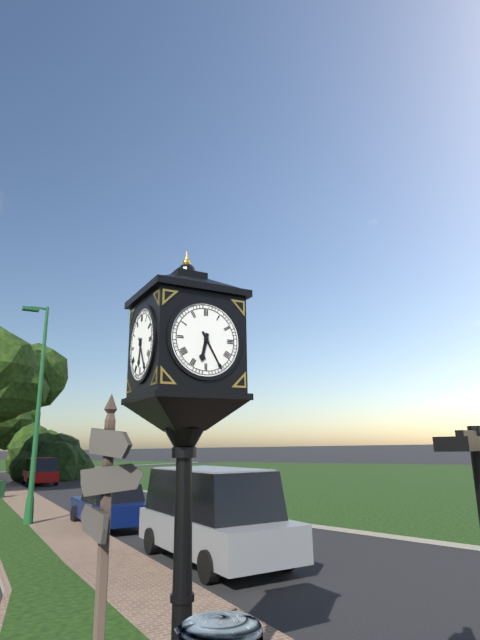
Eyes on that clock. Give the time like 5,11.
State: 6,25
